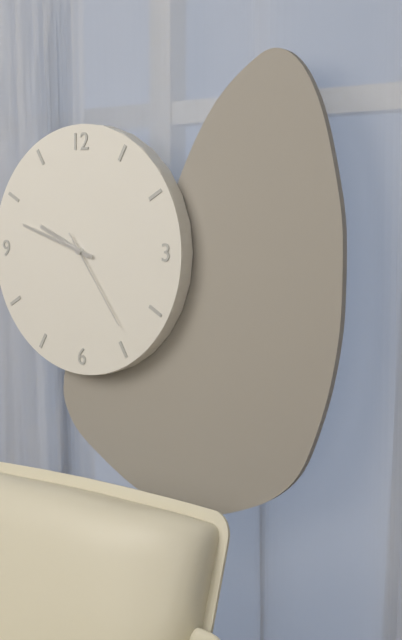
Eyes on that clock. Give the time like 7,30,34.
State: 9,48,24
